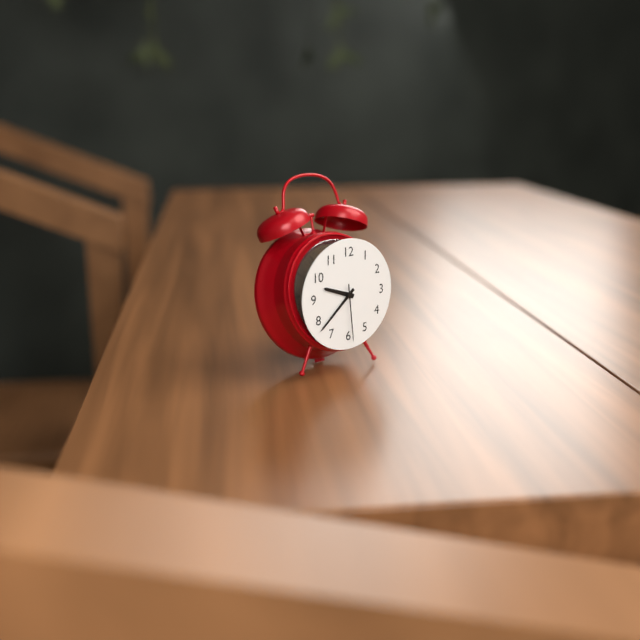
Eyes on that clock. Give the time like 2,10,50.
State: 9,38,29
